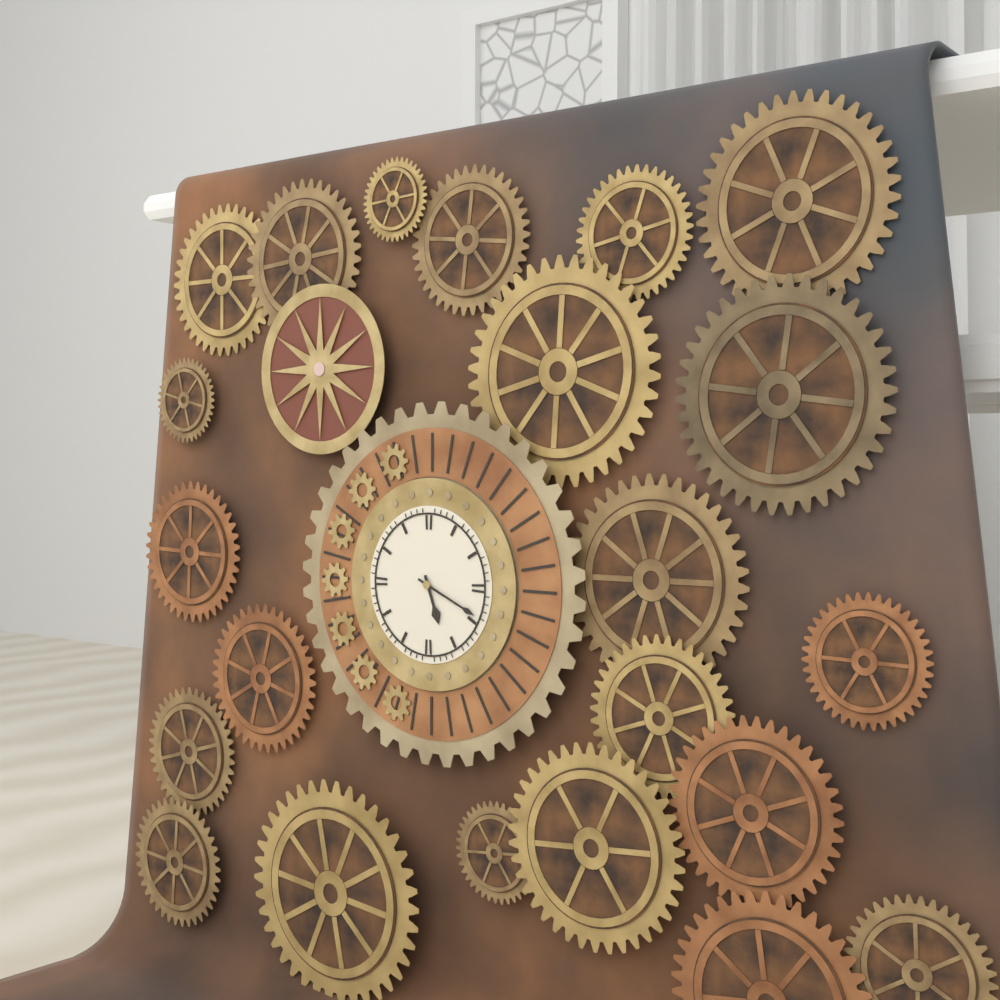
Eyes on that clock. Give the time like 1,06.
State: 5,19
